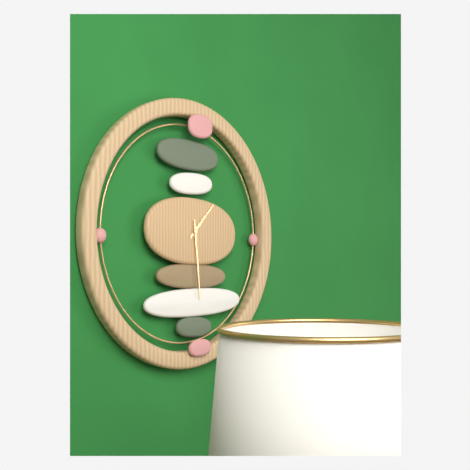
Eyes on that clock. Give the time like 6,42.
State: 1,29
